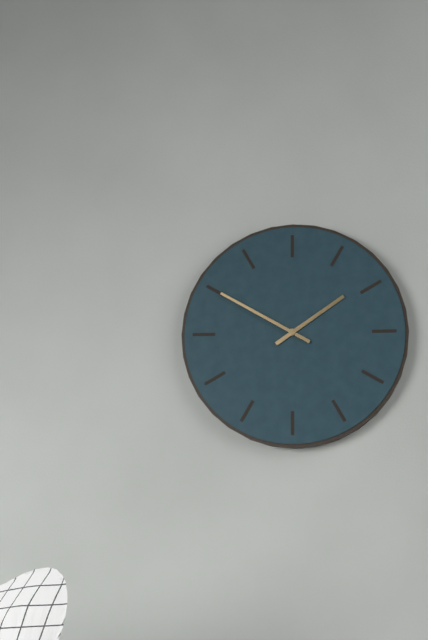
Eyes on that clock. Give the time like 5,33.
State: 1,50
